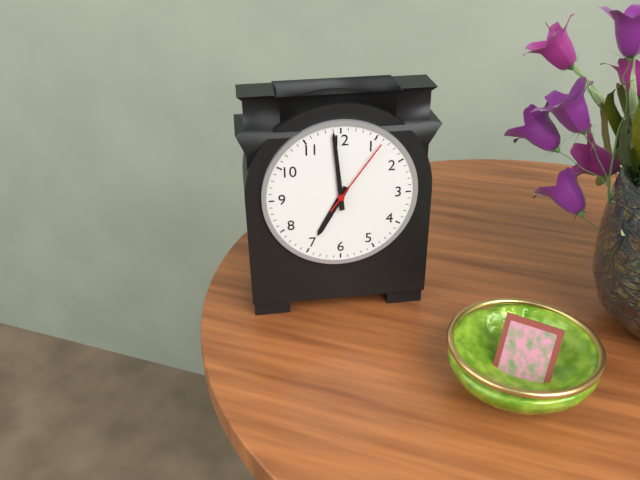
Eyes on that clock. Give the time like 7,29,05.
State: 6,59,06
